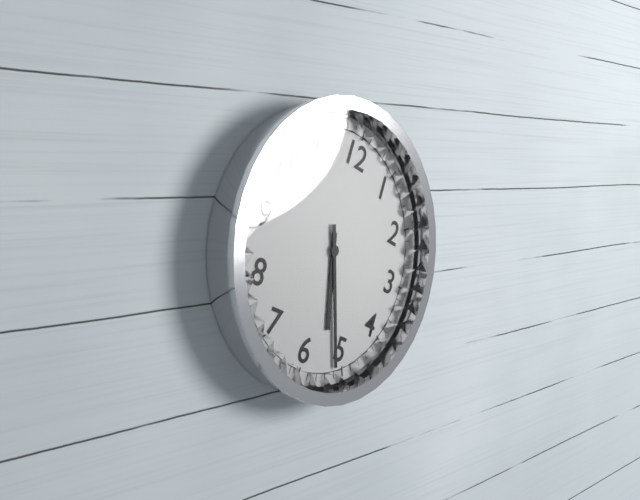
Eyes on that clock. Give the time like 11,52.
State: 5,26
